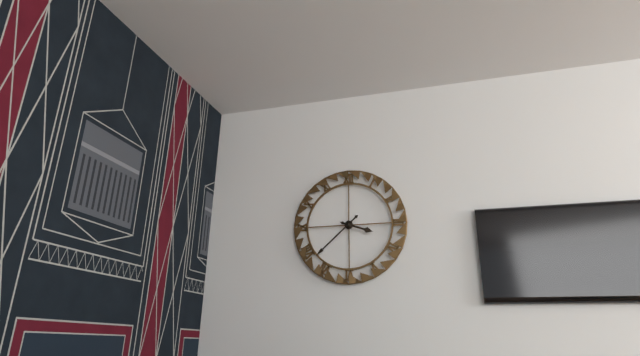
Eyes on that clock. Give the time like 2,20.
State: 3,38
